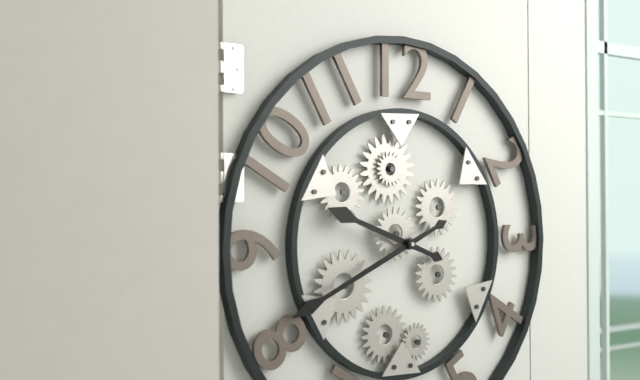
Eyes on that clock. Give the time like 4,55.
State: 9,41
